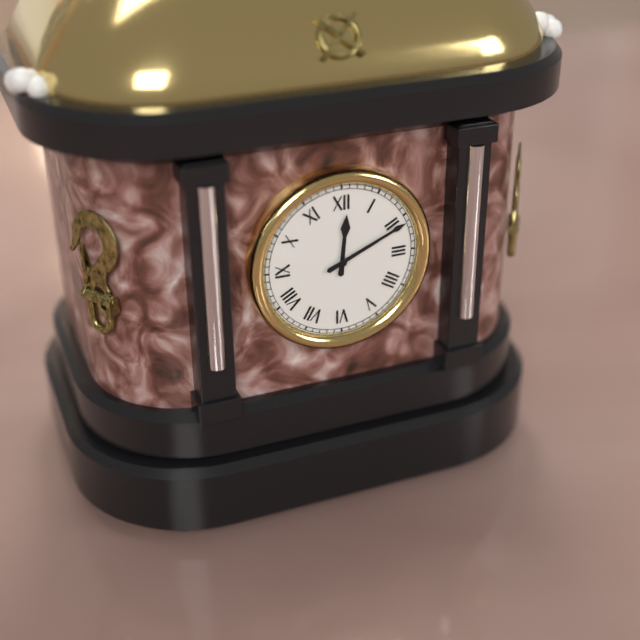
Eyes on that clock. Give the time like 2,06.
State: 12,11
